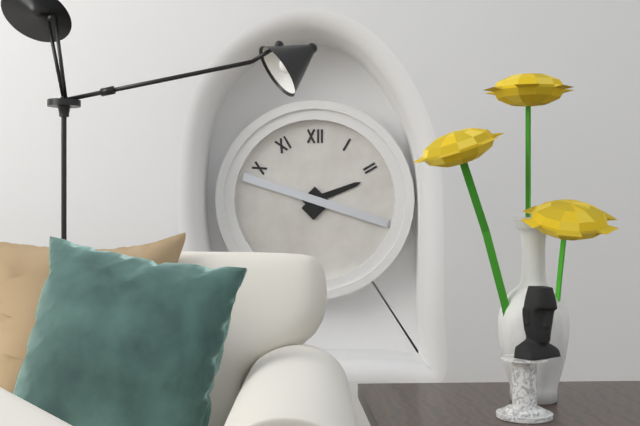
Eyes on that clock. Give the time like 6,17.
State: 2,18
